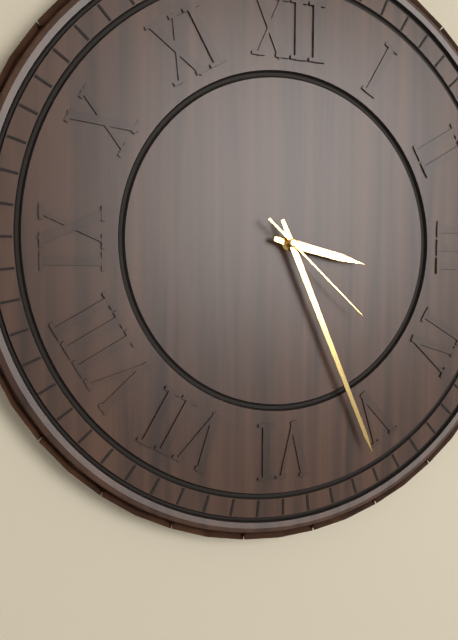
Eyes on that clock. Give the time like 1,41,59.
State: 3,26,22
